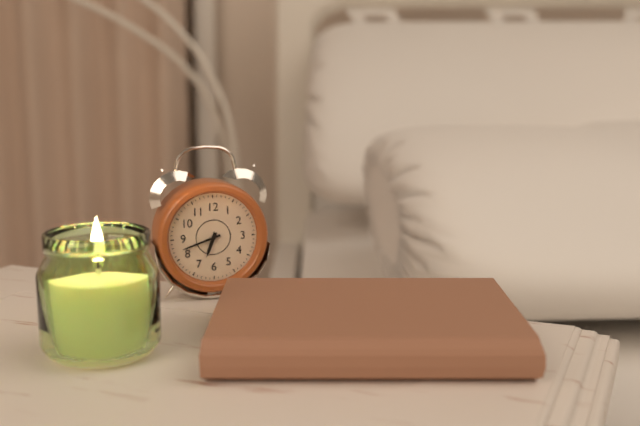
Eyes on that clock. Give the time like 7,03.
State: 6,42
